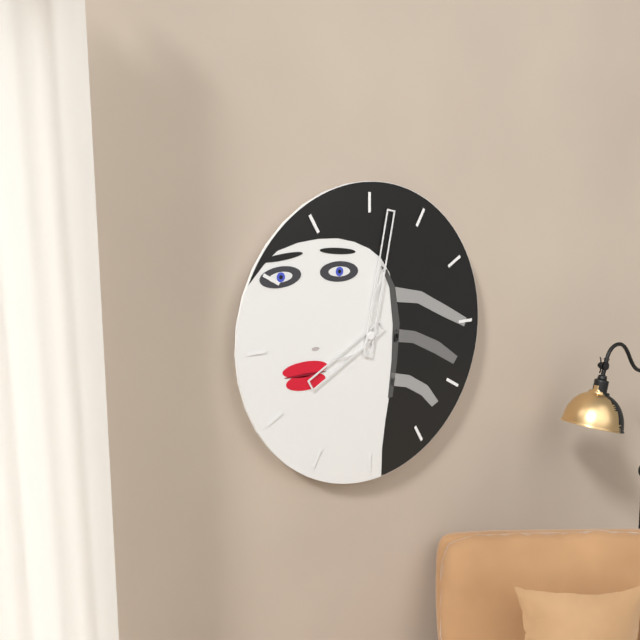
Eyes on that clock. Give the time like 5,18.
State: 8,02
